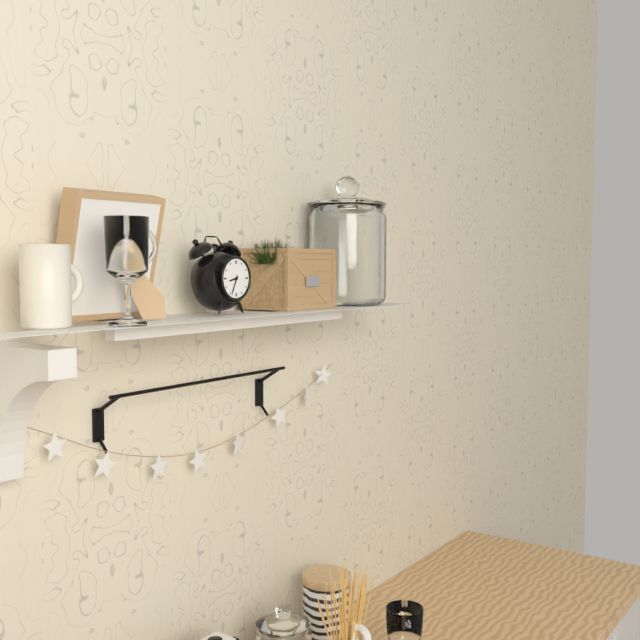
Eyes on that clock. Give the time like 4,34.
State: 8,34
